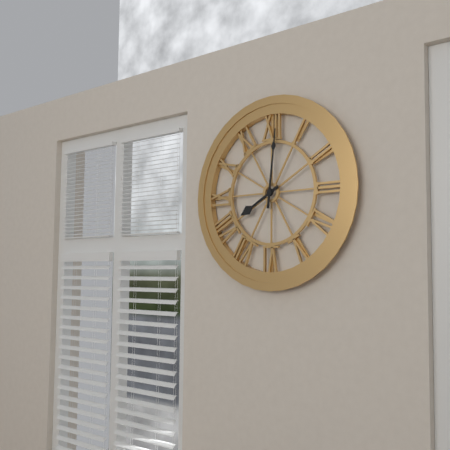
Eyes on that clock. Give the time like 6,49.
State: 8,01
